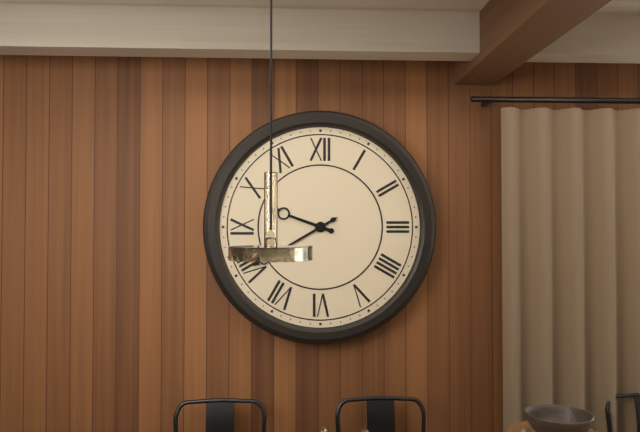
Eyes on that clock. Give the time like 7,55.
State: 9,40
